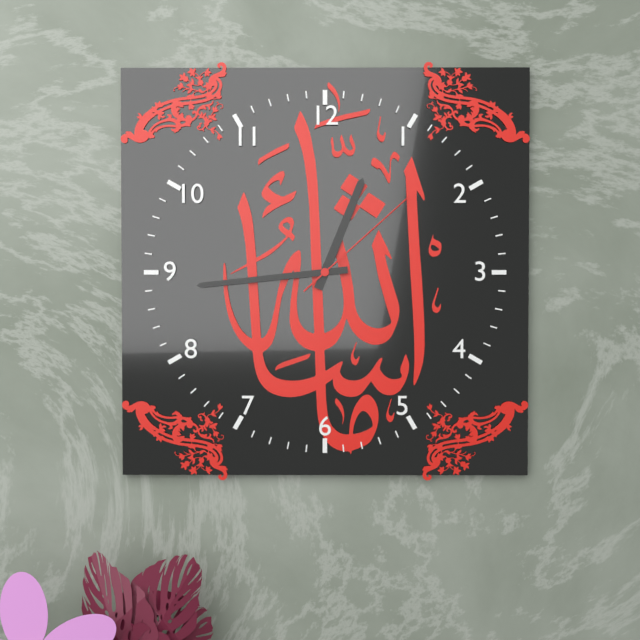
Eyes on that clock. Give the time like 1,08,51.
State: 12,44,08
